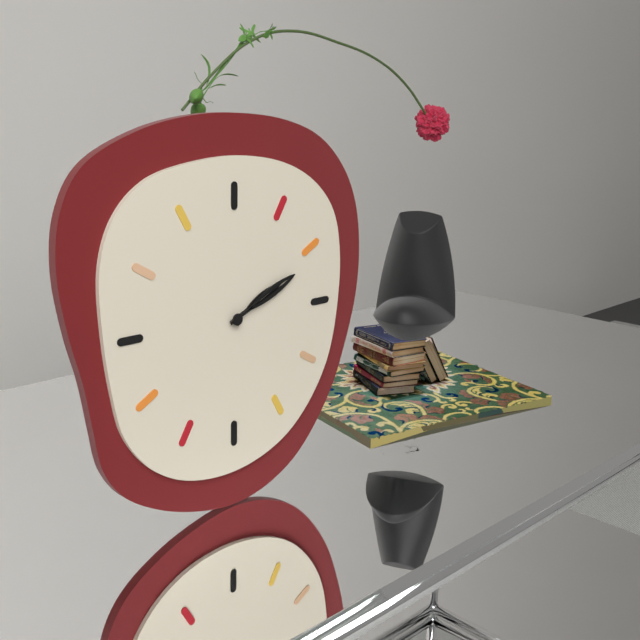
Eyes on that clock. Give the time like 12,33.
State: 2,11
